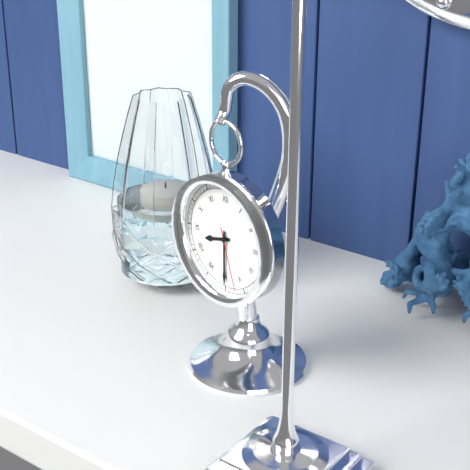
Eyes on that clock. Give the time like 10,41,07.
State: 8,30,27
